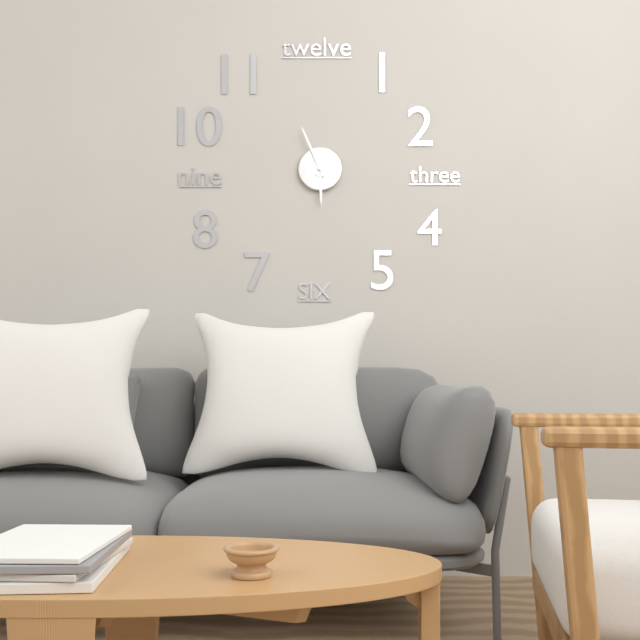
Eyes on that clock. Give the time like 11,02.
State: 5,56
